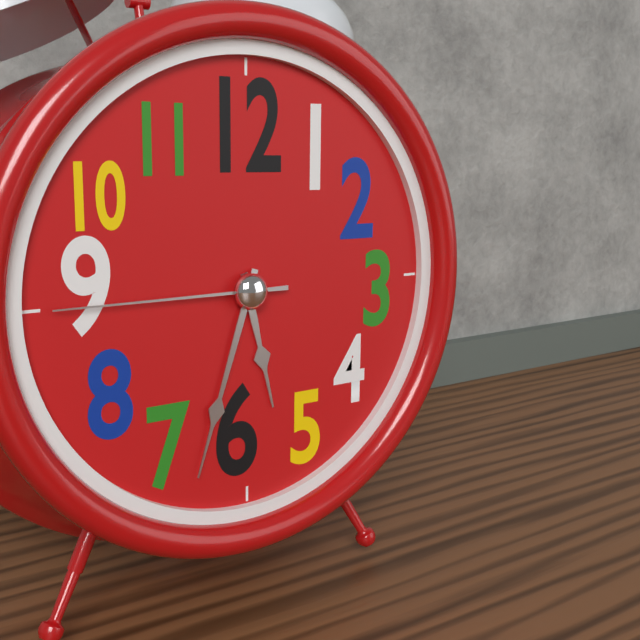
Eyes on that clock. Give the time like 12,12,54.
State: 5,33,45
